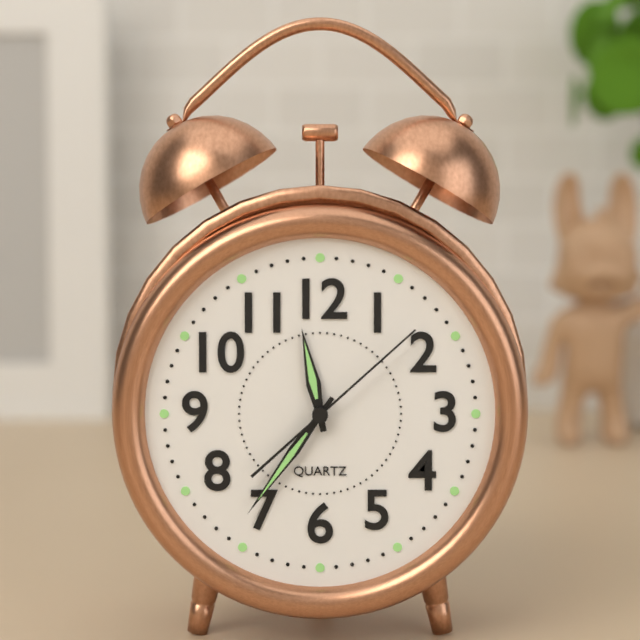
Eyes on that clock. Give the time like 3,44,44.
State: 11,36,08
